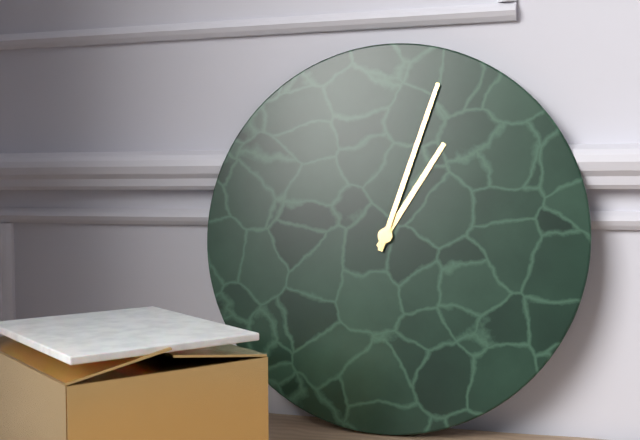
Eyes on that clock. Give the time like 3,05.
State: 1,03
